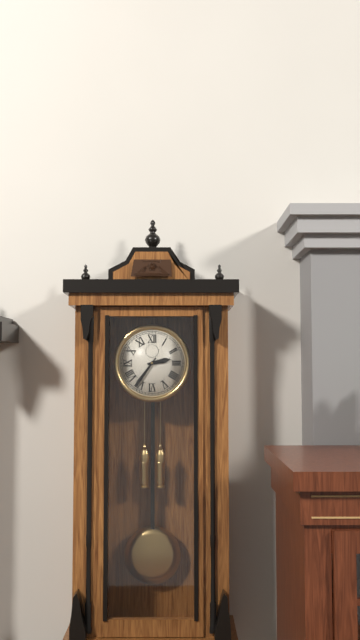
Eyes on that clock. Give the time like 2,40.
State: 2,36
